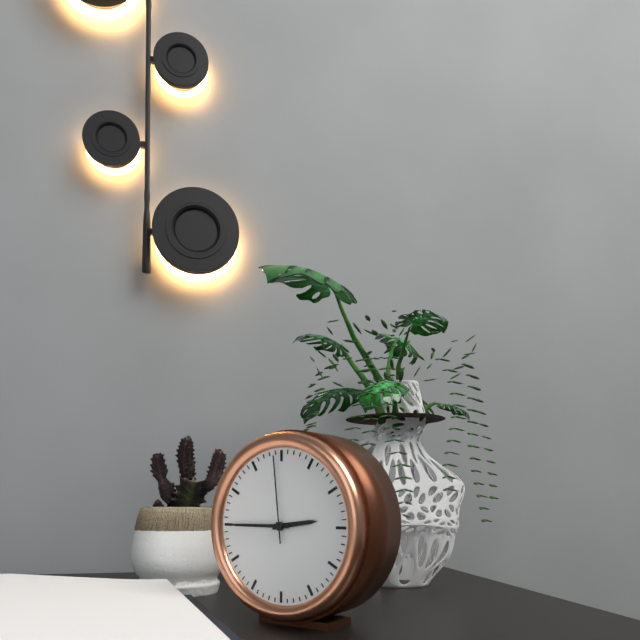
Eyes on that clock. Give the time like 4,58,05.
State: 2,45,59
